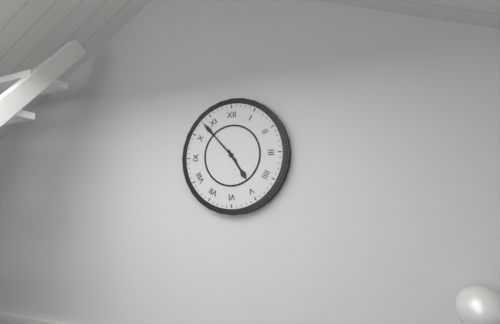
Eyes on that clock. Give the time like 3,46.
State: 4,53
